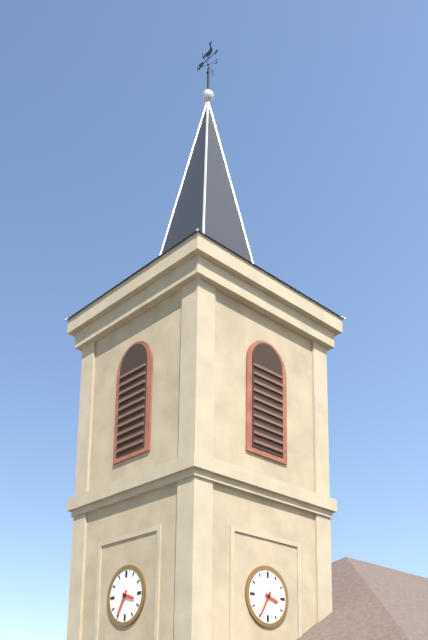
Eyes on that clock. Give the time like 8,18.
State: 3,35
